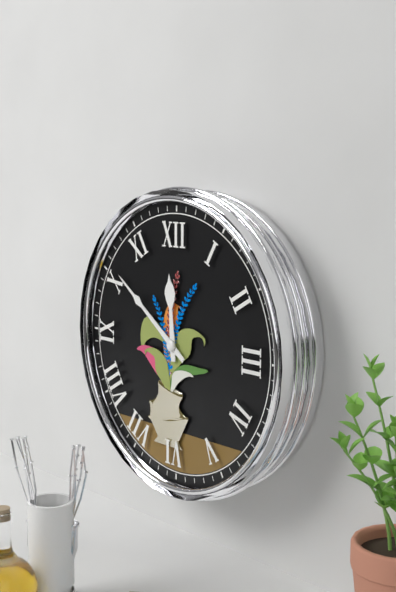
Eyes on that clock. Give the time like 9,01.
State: 11,51
